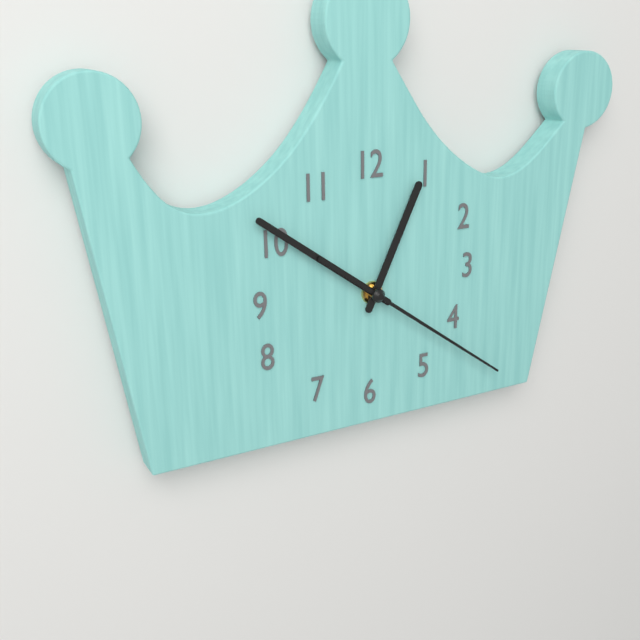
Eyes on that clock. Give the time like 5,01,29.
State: 12,51,21
